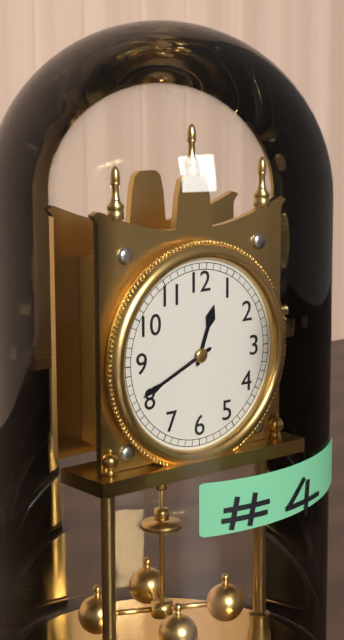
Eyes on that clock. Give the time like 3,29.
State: 12,41
